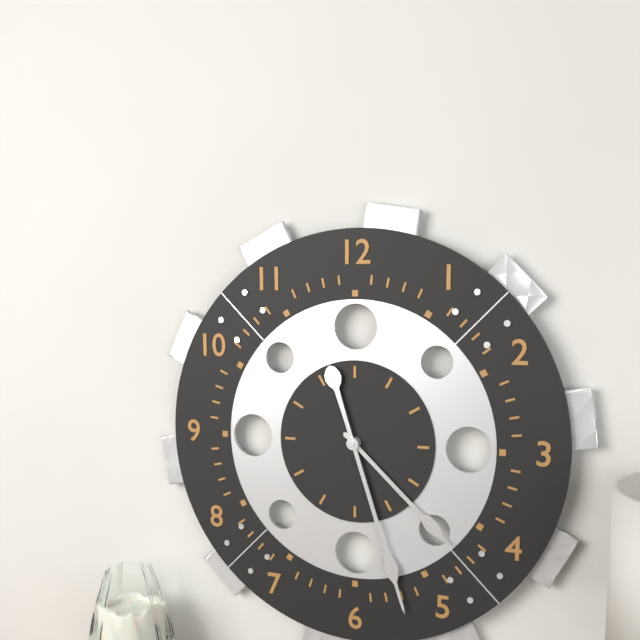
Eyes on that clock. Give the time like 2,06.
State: 4,27
